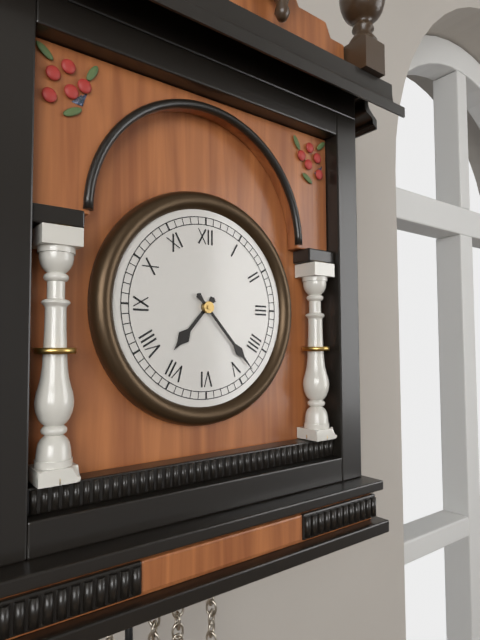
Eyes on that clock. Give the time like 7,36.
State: 7,23
